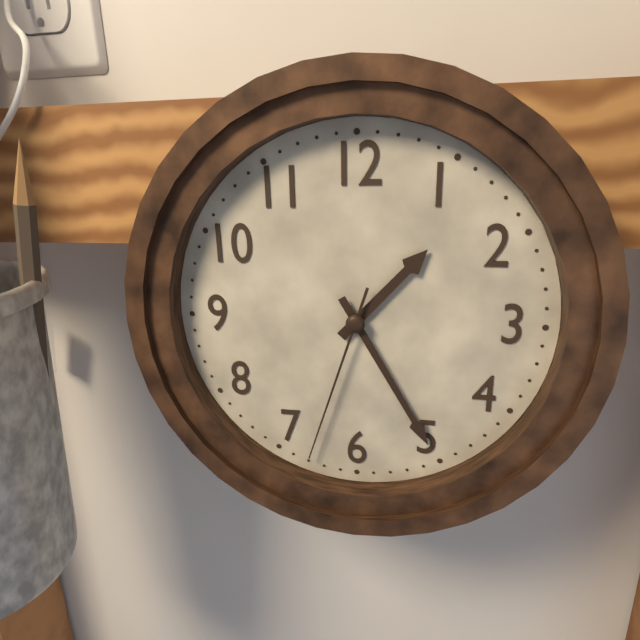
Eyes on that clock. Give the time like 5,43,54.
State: 1,25,33
